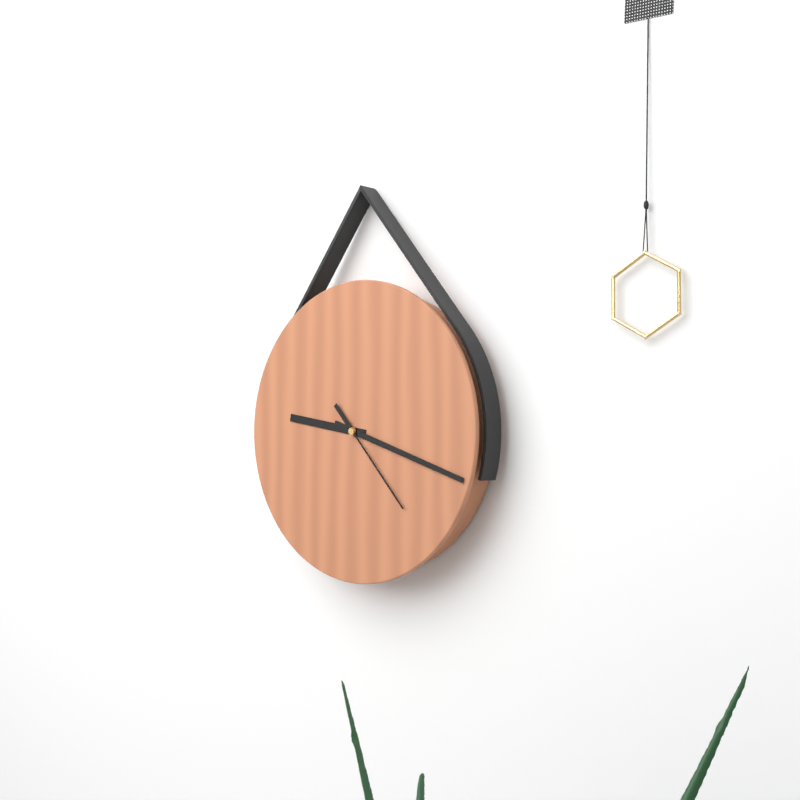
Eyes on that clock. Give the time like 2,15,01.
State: 9,18,23
